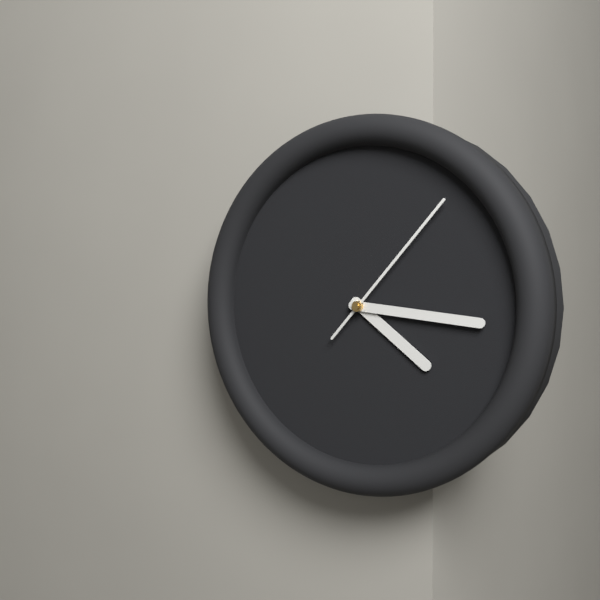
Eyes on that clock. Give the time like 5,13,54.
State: 4,16,07
